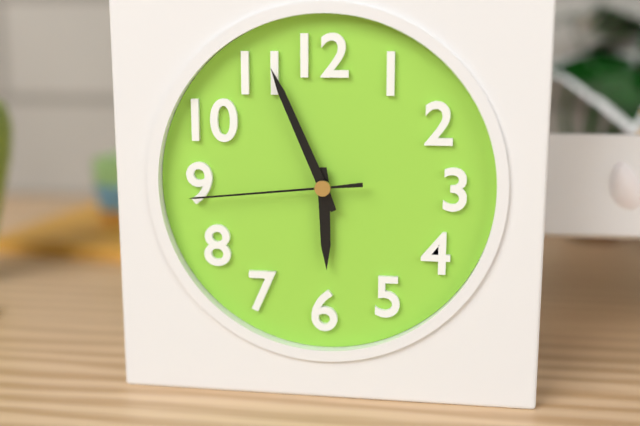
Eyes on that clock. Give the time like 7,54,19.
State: 5,56,44
